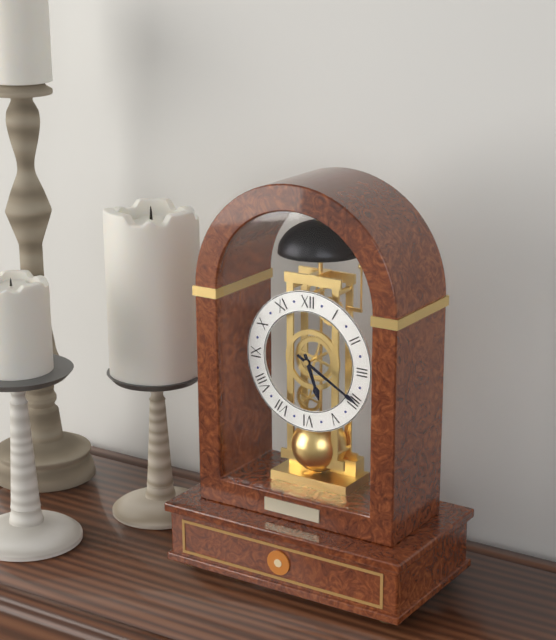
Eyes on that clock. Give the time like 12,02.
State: 5,20
